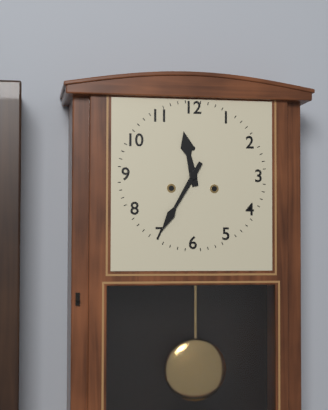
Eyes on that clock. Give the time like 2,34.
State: 11,35
